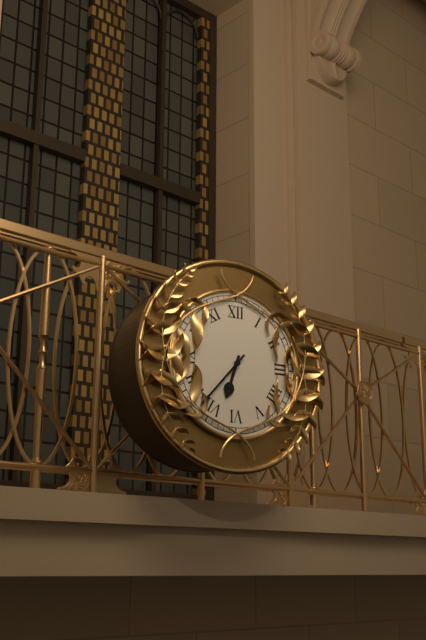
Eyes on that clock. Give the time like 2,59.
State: 6,37
